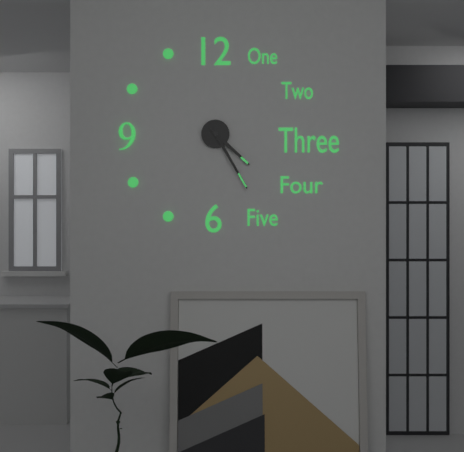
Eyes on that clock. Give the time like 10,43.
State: 4,25
